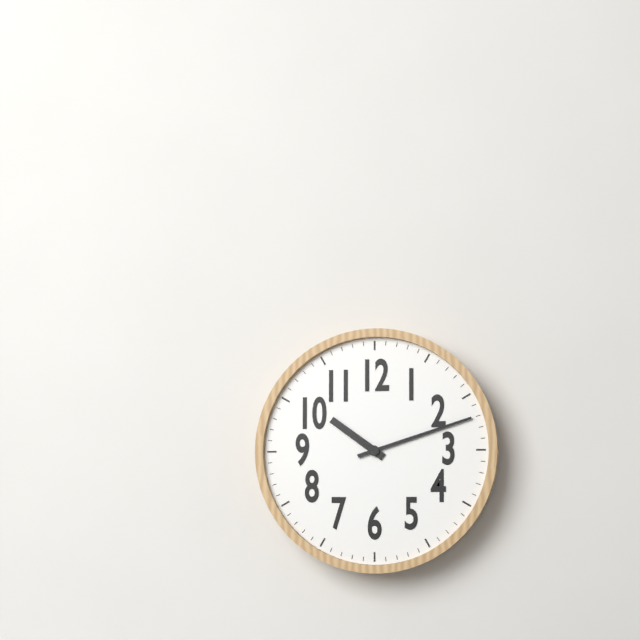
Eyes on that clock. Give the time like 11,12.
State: 10,12
